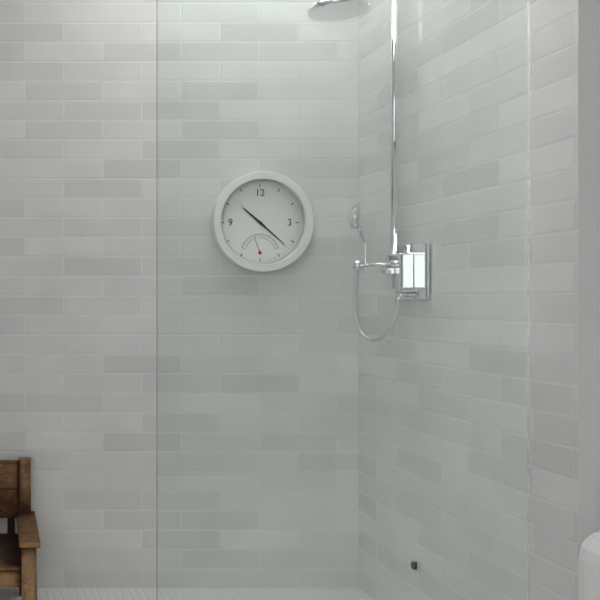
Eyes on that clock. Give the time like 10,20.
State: 10,22
